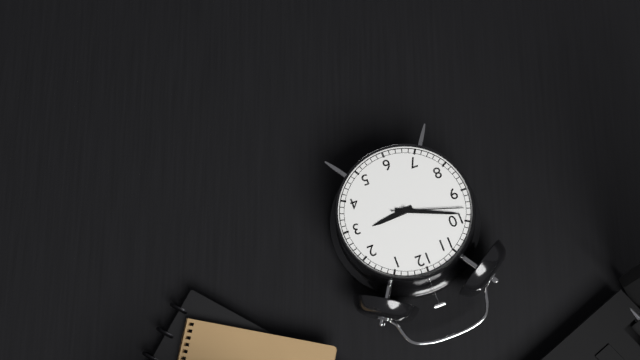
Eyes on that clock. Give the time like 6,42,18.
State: 2,49,48
